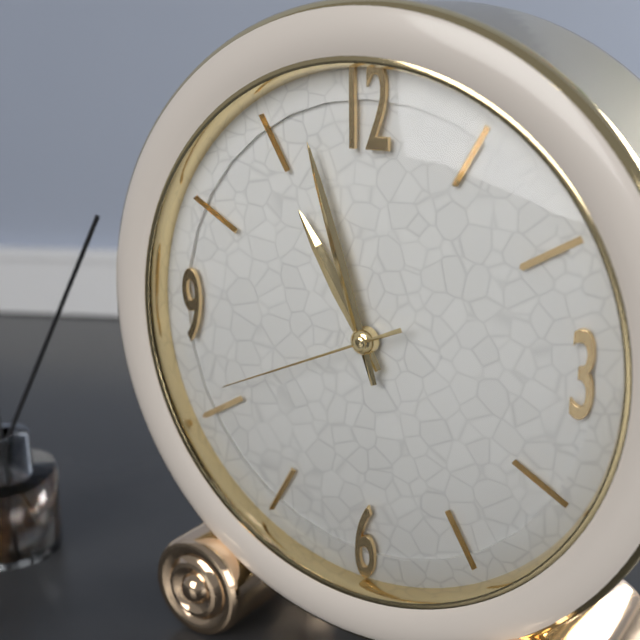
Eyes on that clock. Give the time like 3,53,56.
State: 10,57,41
